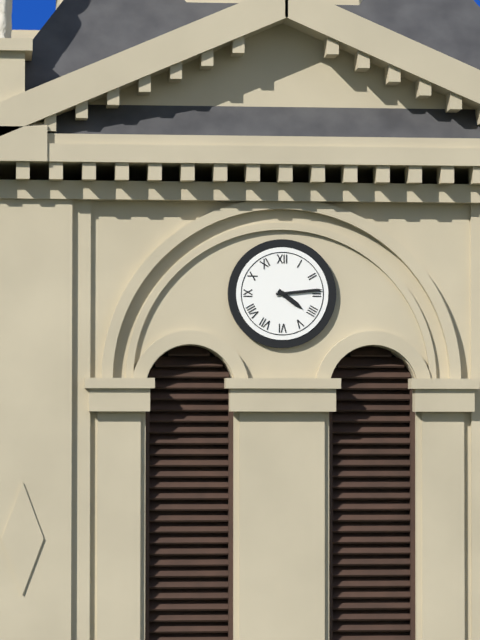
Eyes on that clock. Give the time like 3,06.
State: 4,14
